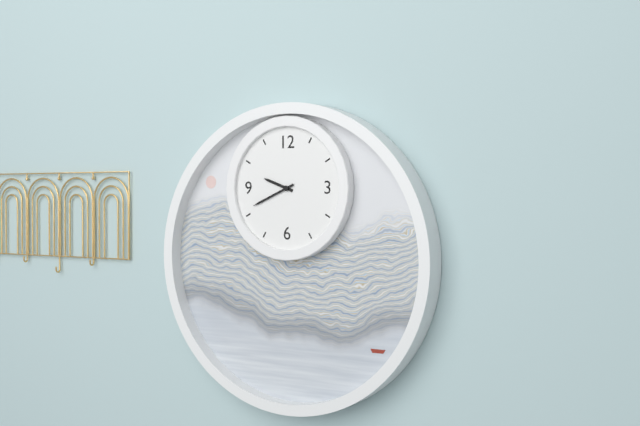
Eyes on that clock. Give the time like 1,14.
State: 9,41
